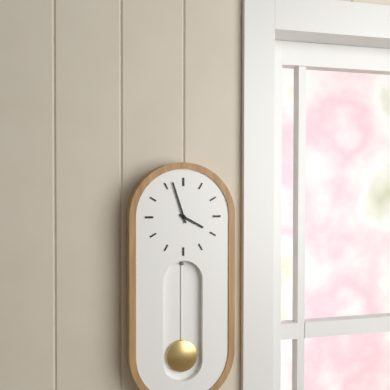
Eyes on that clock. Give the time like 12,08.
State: 3,57
